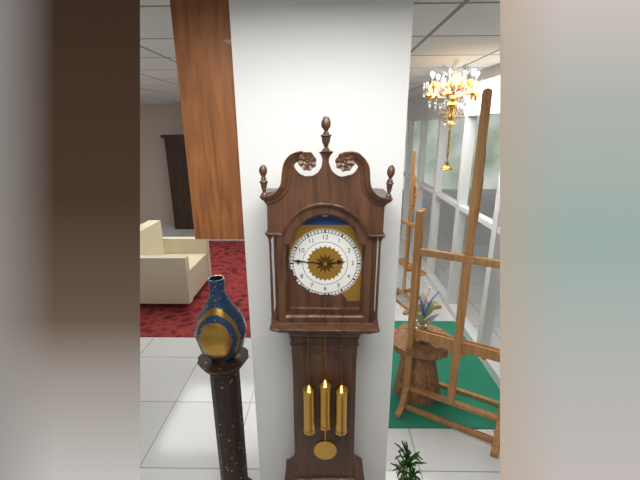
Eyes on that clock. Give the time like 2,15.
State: 2,46
